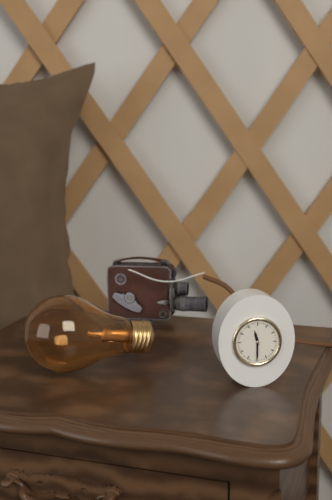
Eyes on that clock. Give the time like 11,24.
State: 11,30
